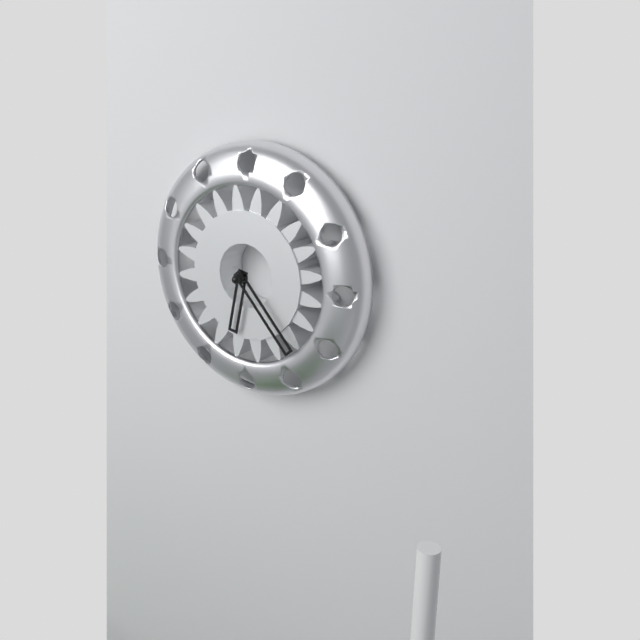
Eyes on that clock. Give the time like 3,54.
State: 6,23
